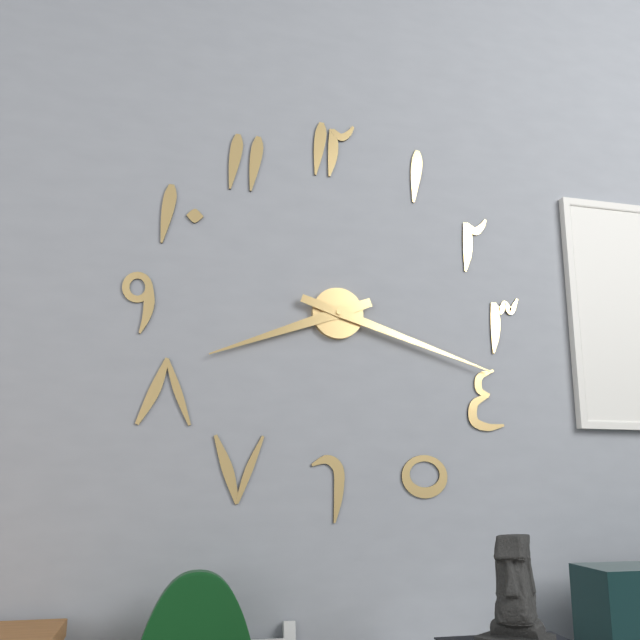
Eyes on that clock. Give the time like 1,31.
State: 8,18
